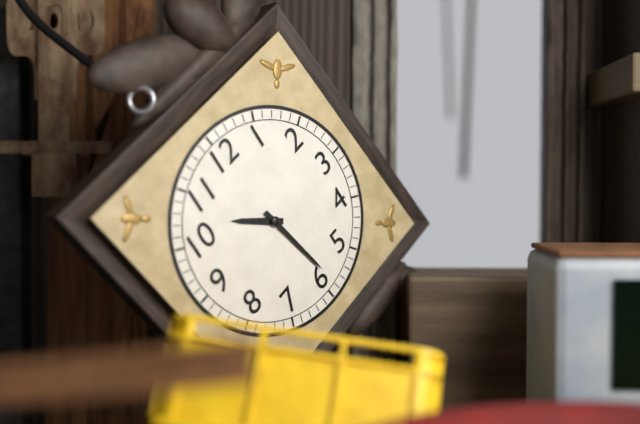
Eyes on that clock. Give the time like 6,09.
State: 10,29
